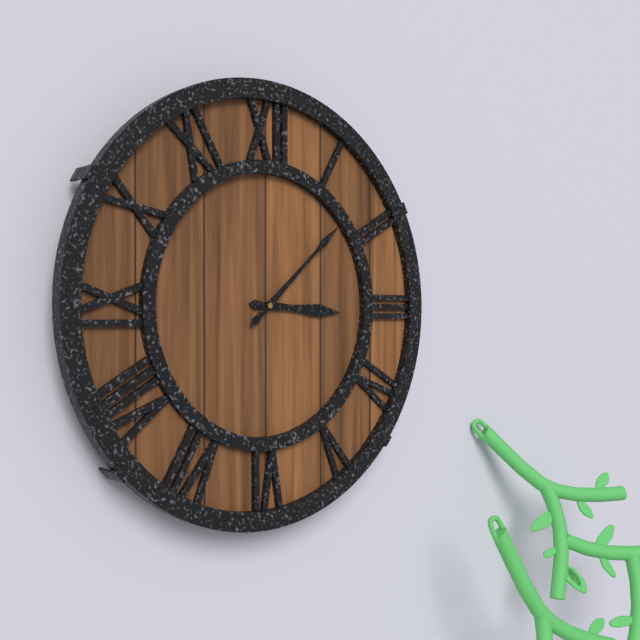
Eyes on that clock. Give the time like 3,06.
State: 3,08
